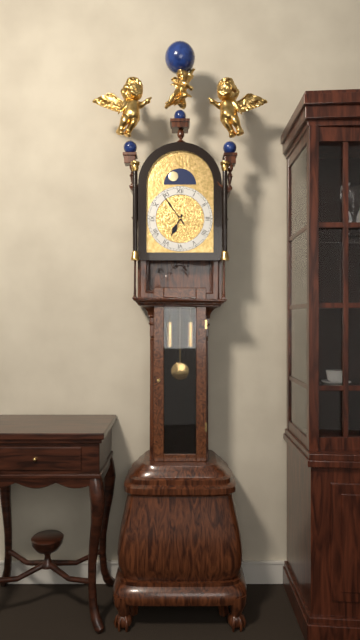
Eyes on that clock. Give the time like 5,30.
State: 6,54
